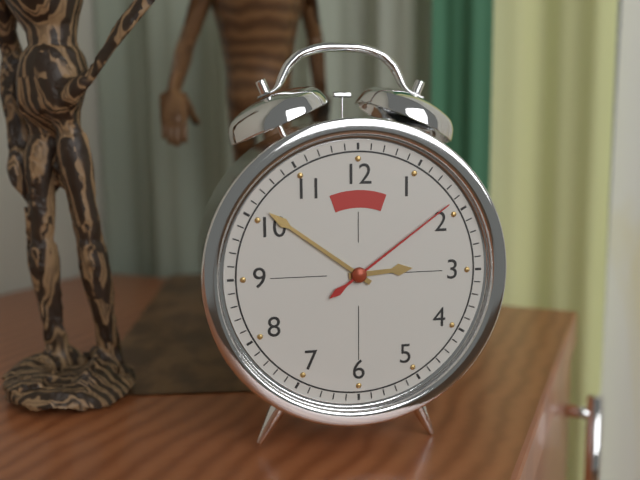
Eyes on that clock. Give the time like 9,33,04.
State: 2,51,09
